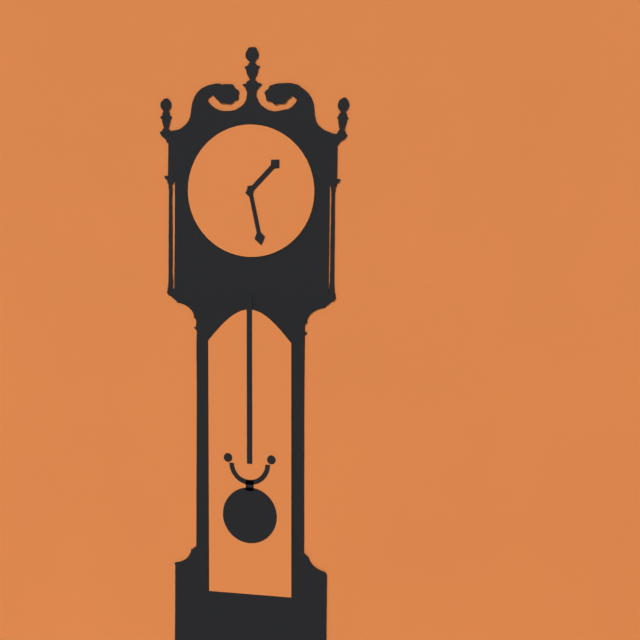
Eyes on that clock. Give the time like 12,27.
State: 1,28
